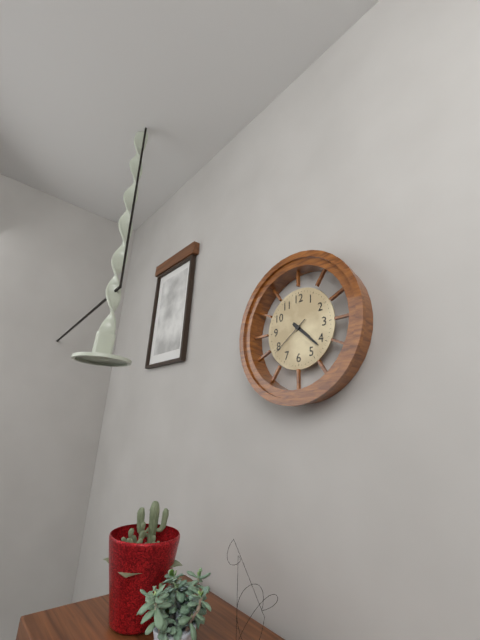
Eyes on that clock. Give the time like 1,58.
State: 4,22
